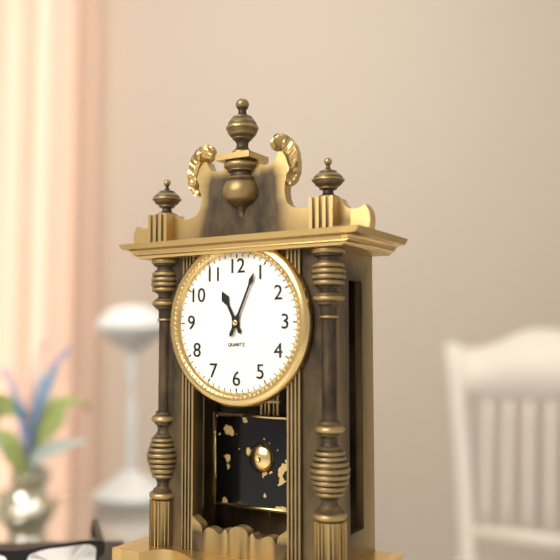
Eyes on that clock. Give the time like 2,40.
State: 11,04
